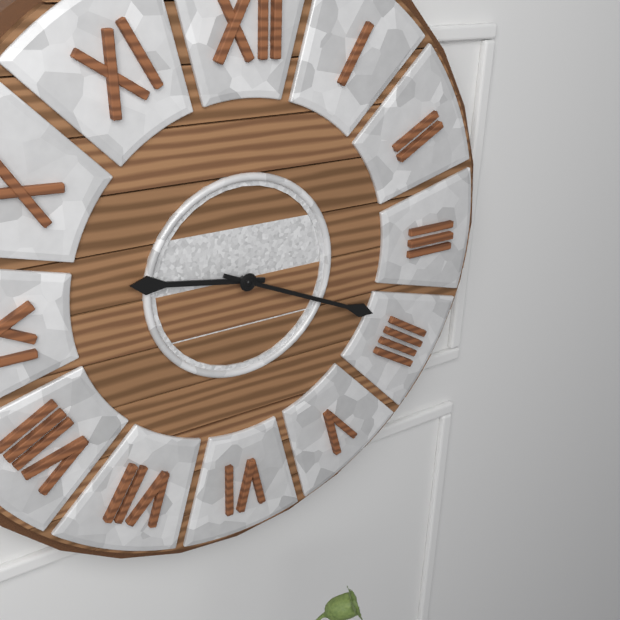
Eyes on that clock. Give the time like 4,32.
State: 9,19
